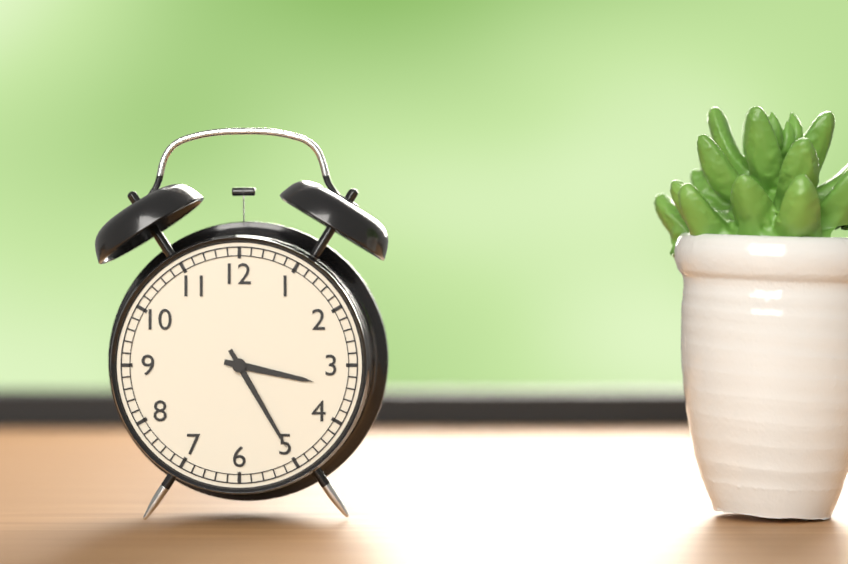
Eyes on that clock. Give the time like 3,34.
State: 3,25
